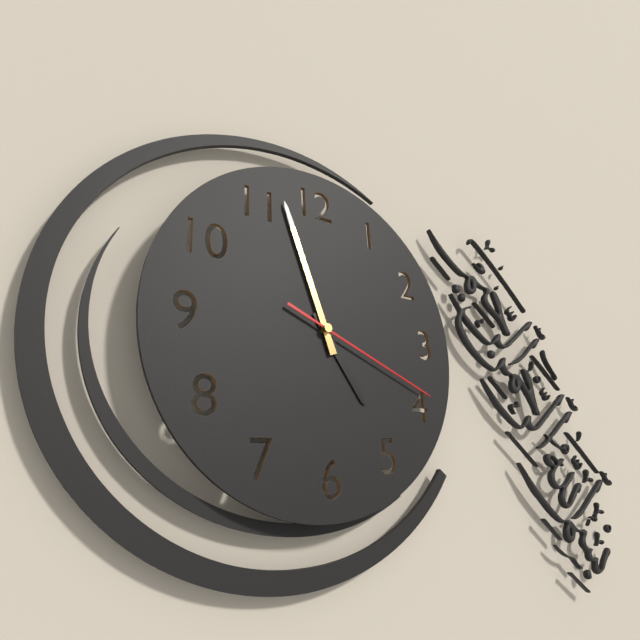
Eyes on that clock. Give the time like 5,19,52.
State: 4,57,19
